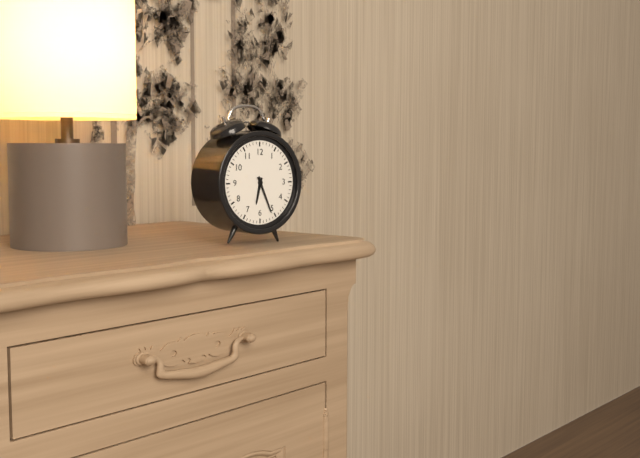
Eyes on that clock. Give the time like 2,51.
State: 6,26
